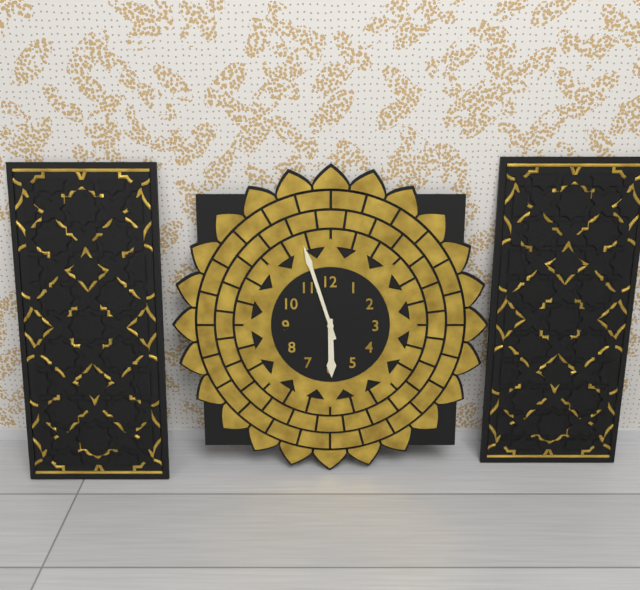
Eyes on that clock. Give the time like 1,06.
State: 5,57
